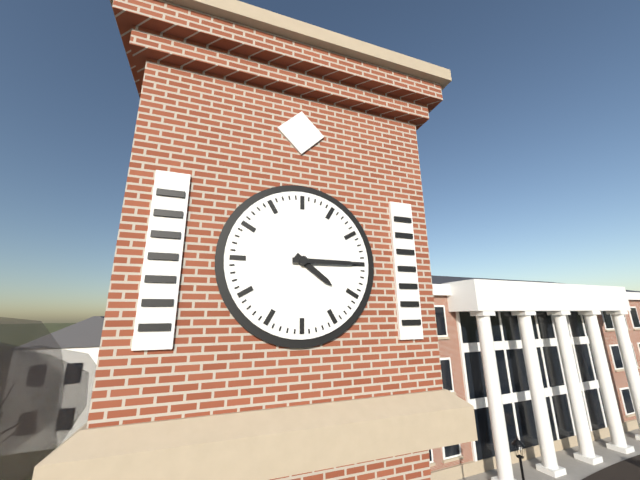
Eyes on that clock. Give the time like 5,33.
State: 4,15
